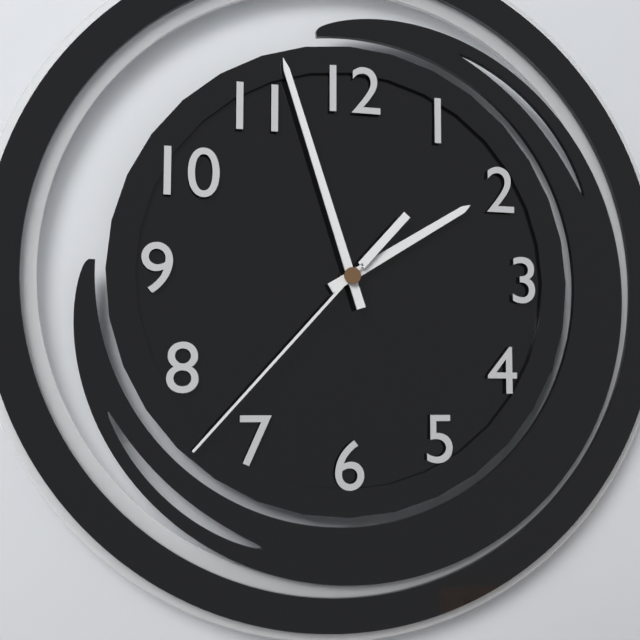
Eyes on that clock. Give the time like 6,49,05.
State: 1,57,37
